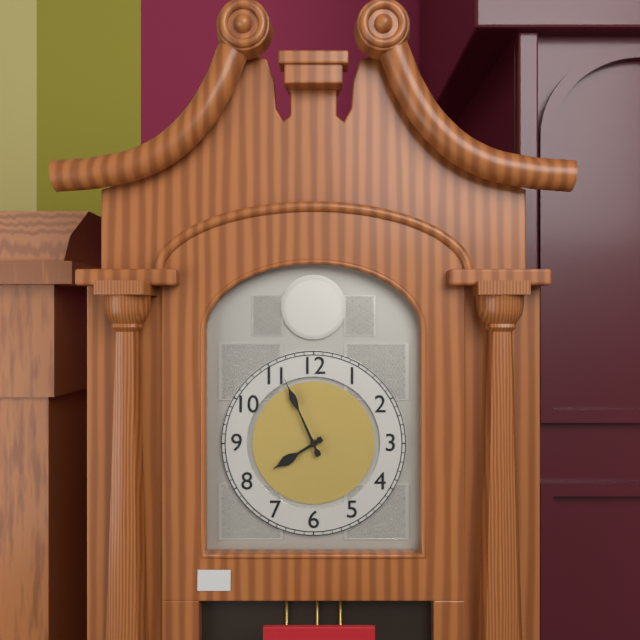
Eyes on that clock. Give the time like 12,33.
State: 7,56
